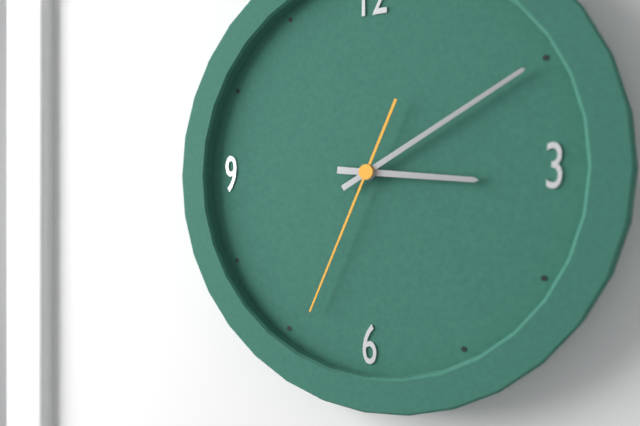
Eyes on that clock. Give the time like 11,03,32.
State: 3,10,34
